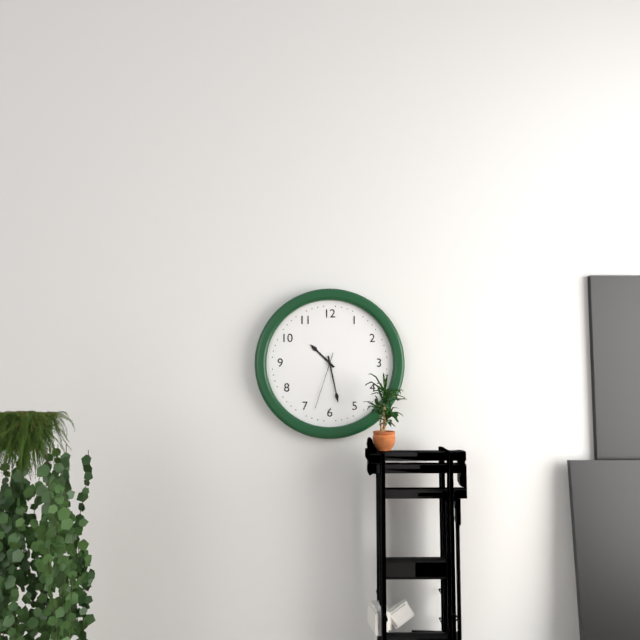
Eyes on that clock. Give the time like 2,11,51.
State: 10,28,33
